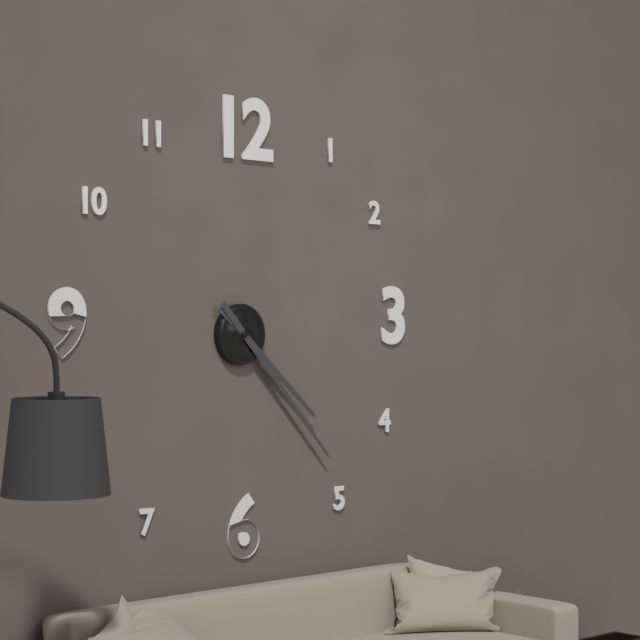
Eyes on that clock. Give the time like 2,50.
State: 4,23
